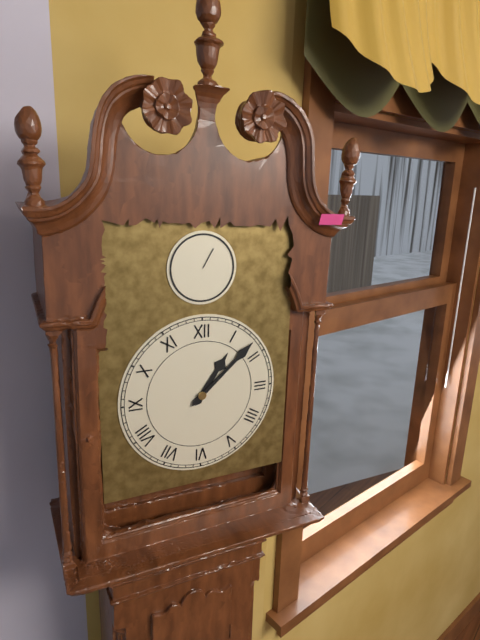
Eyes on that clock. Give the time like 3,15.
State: 1,08
